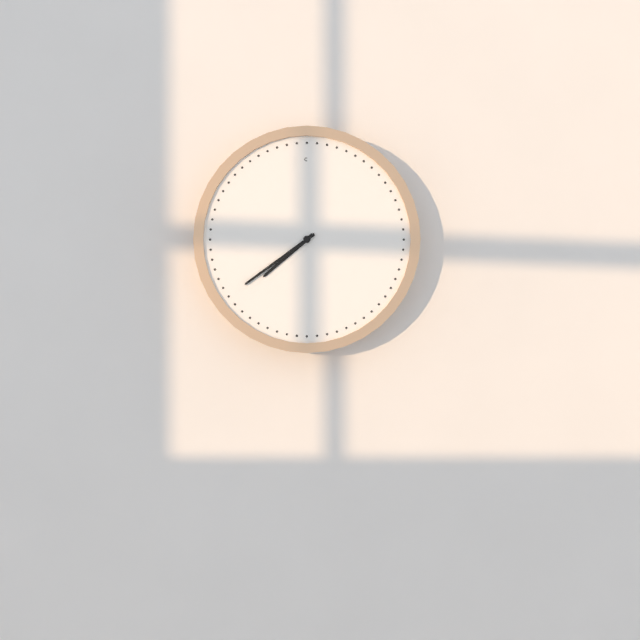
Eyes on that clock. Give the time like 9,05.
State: 7,39
